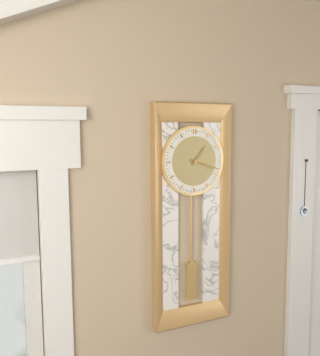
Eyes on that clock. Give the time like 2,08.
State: 1,18
